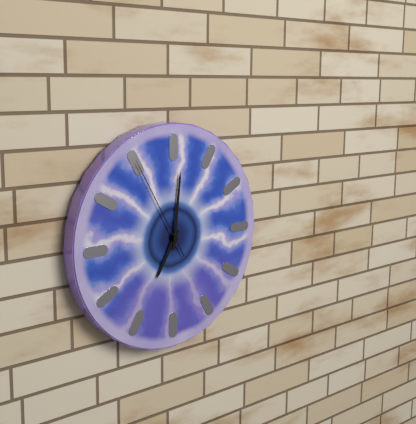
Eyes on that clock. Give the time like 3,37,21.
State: 7,01,55
